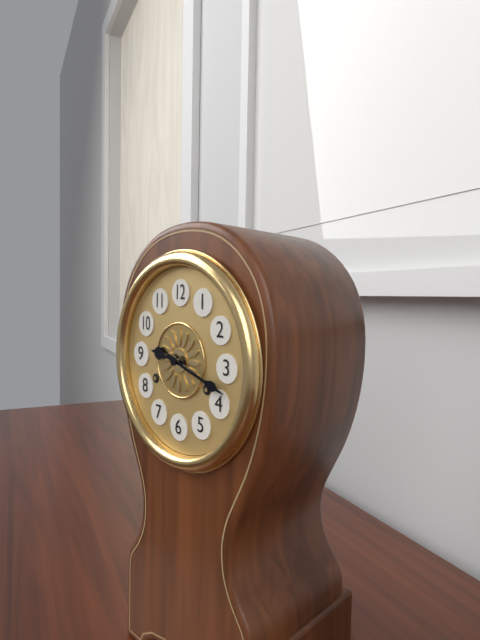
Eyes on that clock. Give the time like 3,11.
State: 9,18
